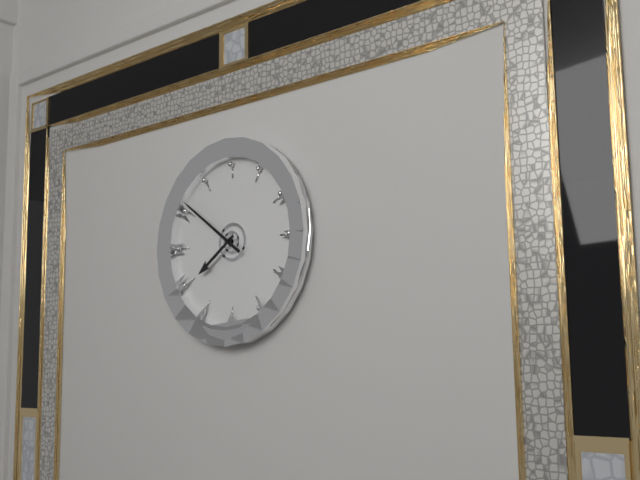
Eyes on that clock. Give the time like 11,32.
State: 7,51
